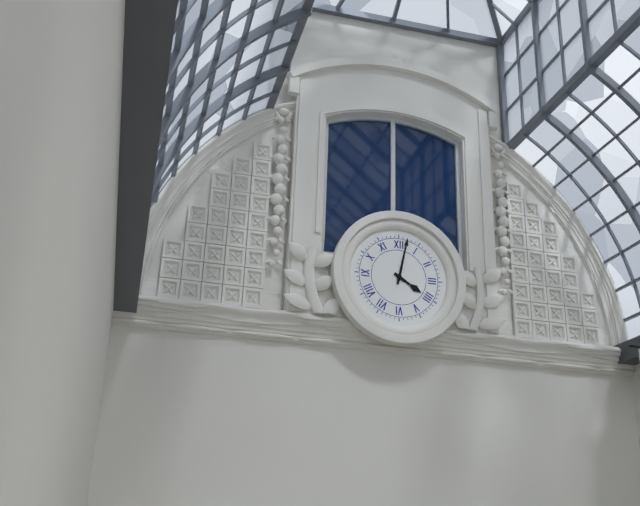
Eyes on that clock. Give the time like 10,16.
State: 4,02
